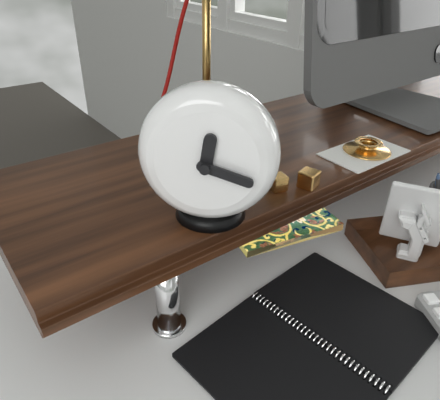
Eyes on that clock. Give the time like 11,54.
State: 12,18
